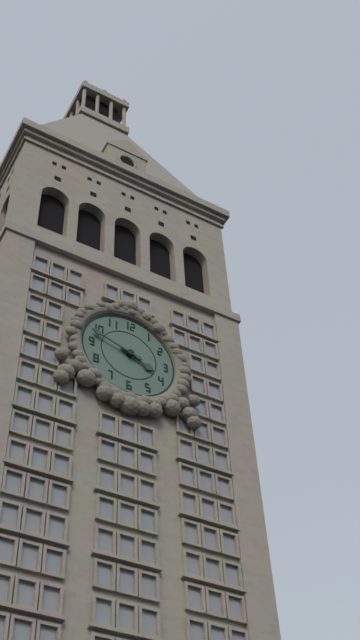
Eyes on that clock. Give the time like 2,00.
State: 3,48
